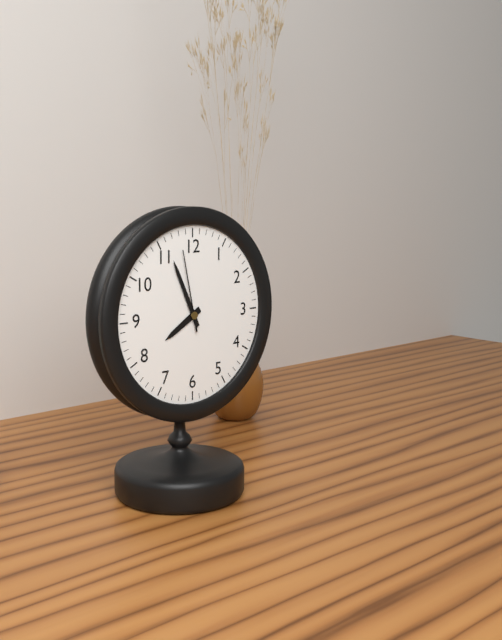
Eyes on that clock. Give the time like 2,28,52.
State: 7,56,58
